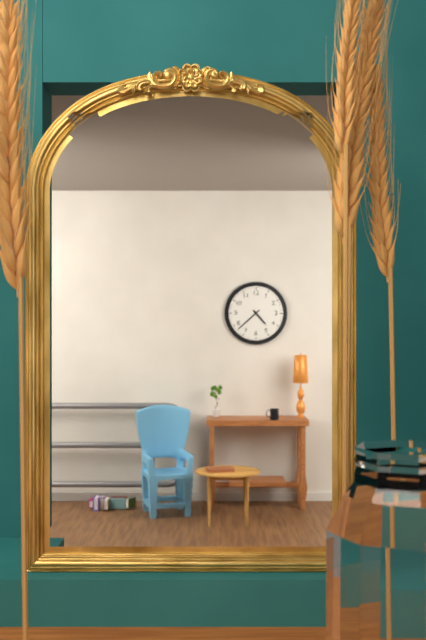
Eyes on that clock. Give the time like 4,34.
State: 4,38
